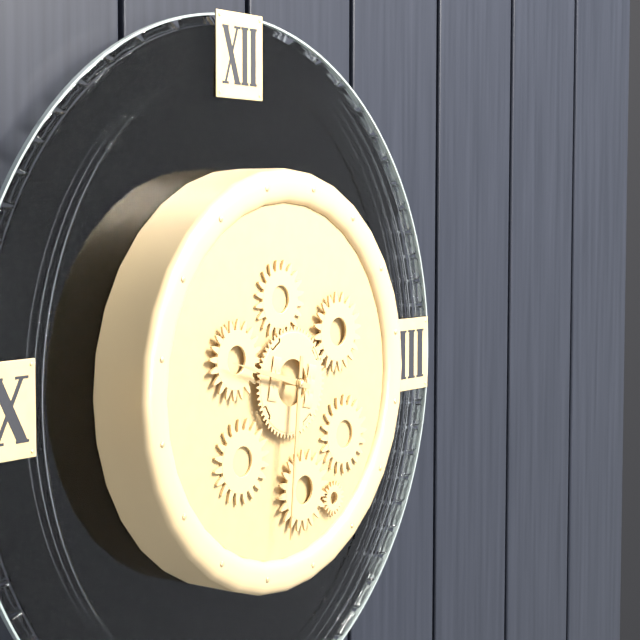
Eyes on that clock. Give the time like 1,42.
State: 9,31
